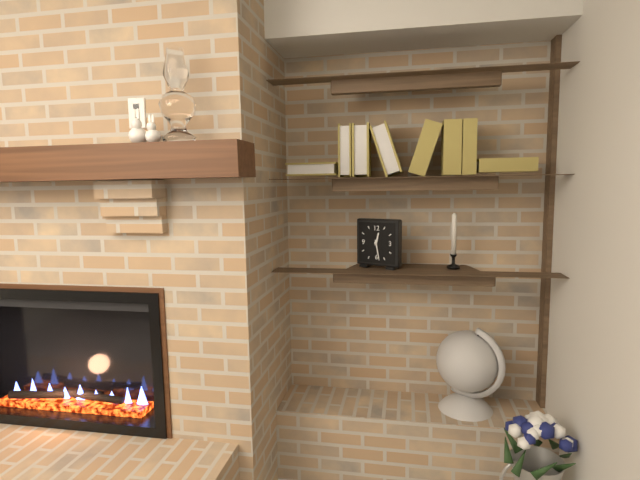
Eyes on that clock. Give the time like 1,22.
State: 12,28
